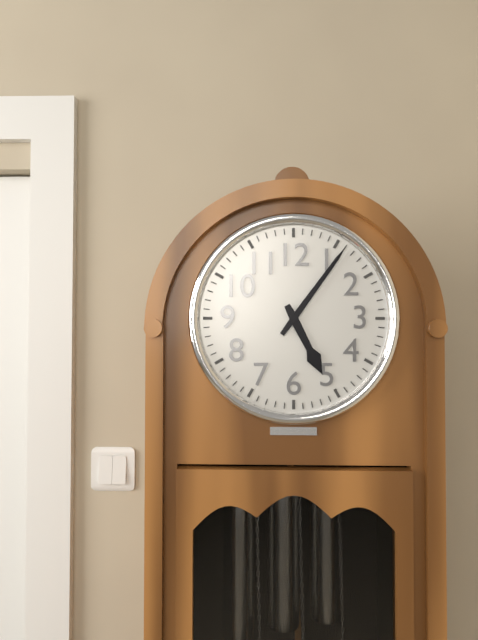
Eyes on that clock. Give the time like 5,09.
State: 5,06
